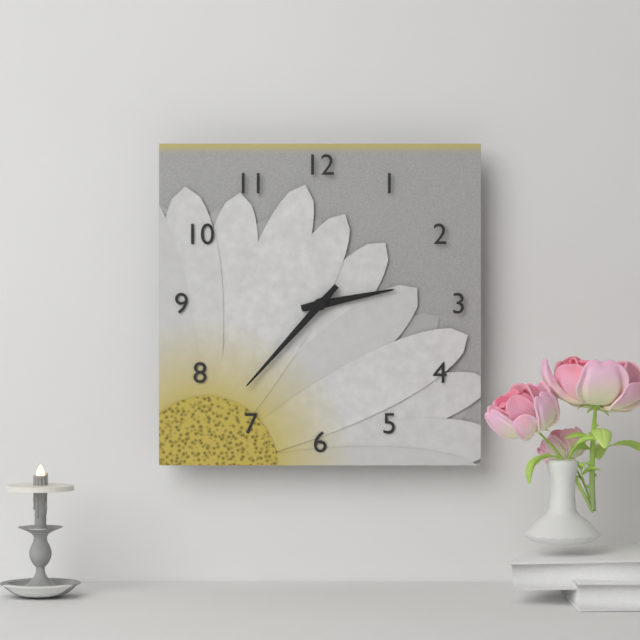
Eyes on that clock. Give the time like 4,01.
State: 2,37
